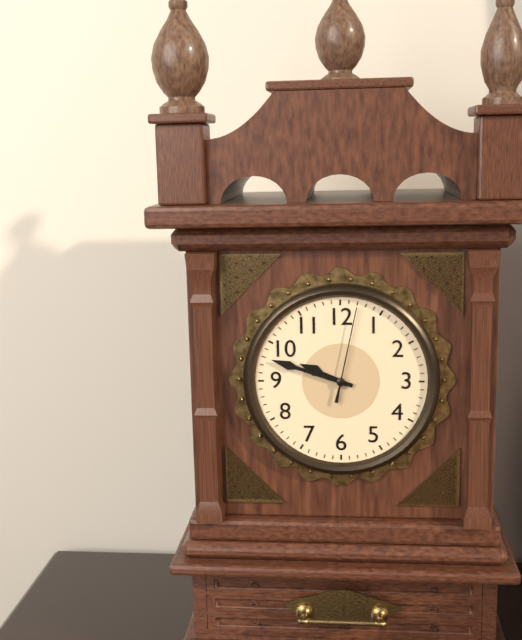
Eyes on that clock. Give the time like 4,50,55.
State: 9,48,02
